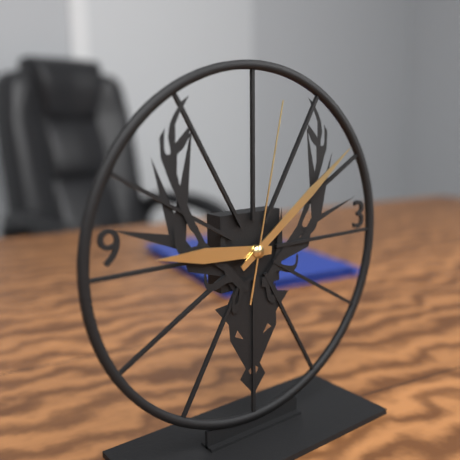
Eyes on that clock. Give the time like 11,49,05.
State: 9,09,02
